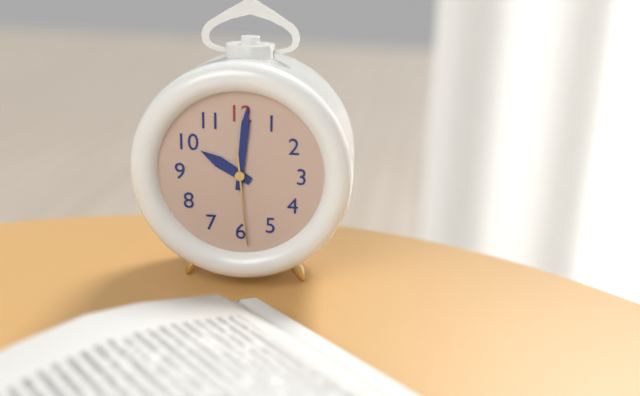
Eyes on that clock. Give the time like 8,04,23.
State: 10,01,29
